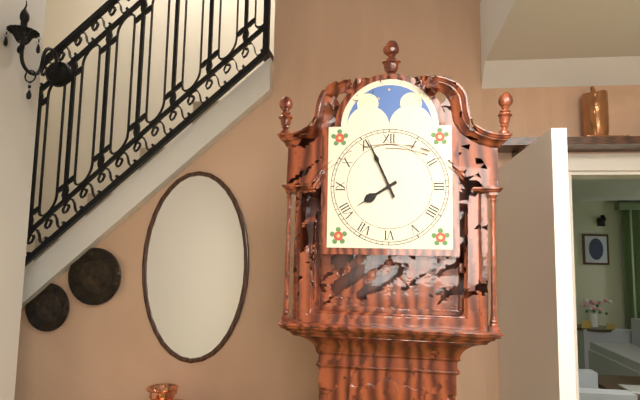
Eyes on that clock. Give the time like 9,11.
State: 7,56
